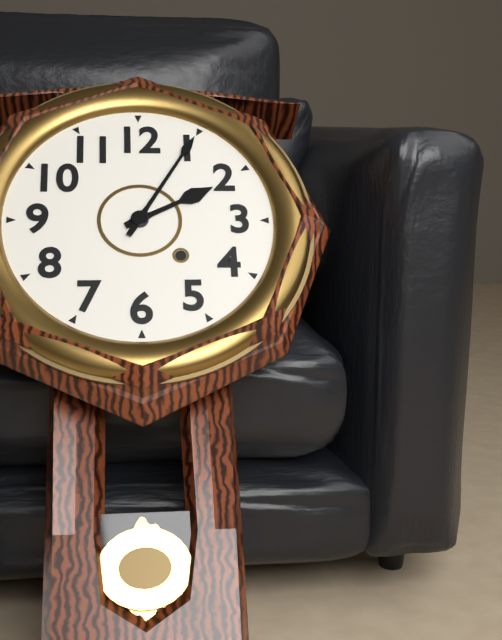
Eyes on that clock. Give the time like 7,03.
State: 2,05
